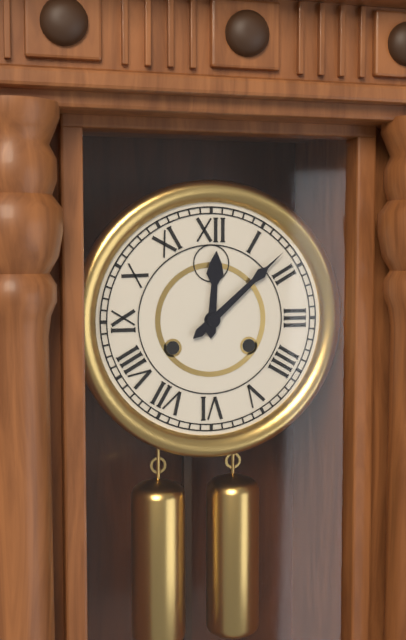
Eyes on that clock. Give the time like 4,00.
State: 12,08
